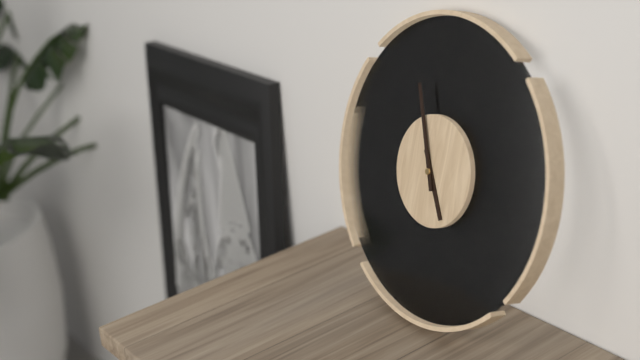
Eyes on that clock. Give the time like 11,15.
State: 4,56
